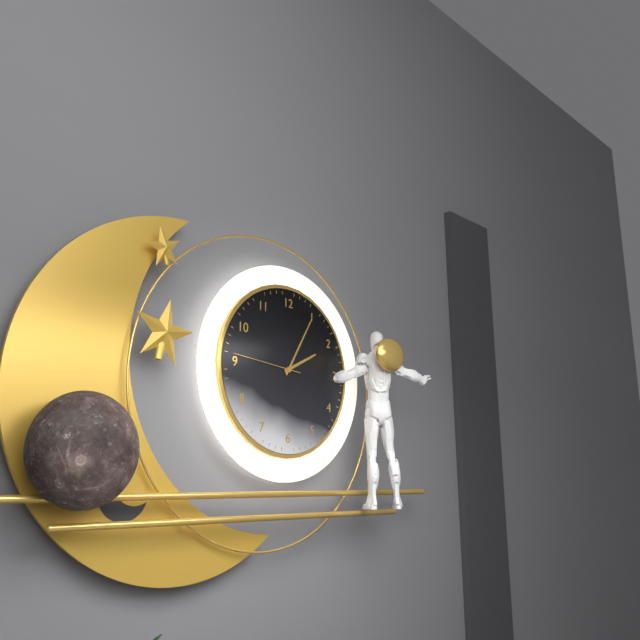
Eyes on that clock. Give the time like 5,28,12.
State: 2,05,46
